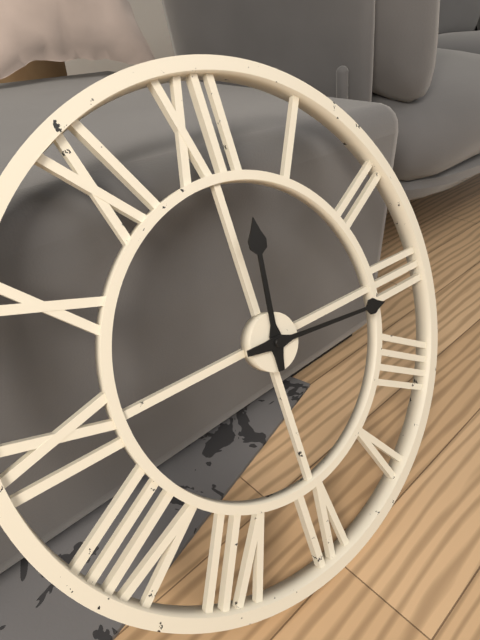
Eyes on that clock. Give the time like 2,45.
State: 12,16
